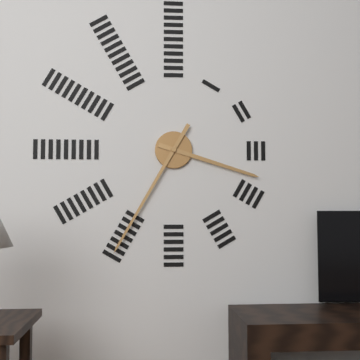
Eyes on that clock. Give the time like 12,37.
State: 3,35
